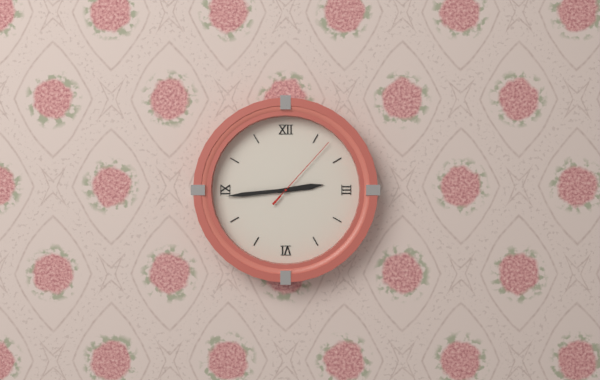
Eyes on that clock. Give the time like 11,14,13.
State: 2,44,07
